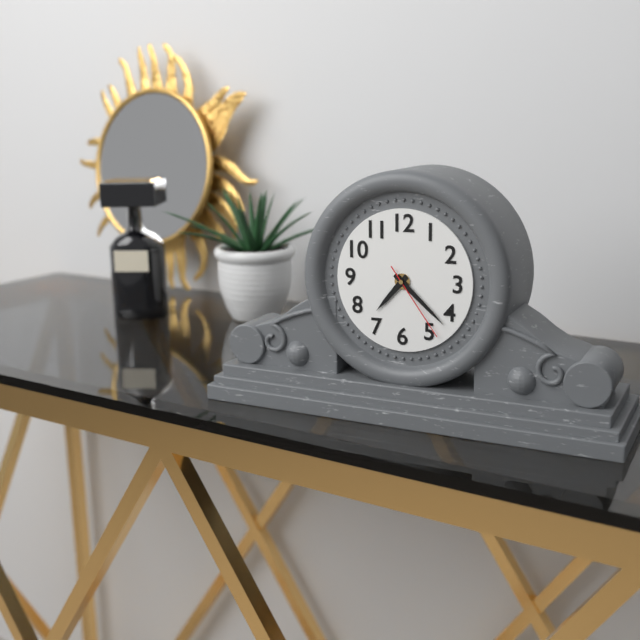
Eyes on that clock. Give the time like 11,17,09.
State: 7,22,24
